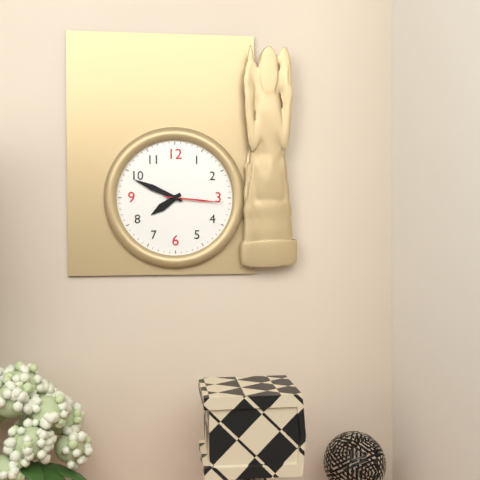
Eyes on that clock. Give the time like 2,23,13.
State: 7,49,16
